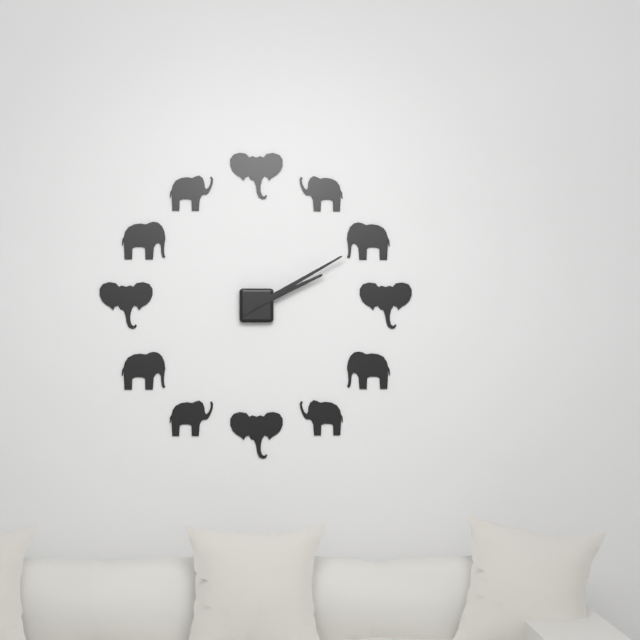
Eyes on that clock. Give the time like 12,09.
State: 2,10
